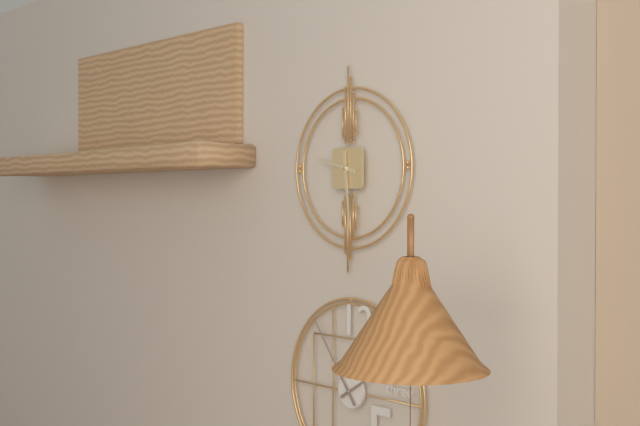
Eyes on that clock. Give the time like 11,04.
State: 9,29
